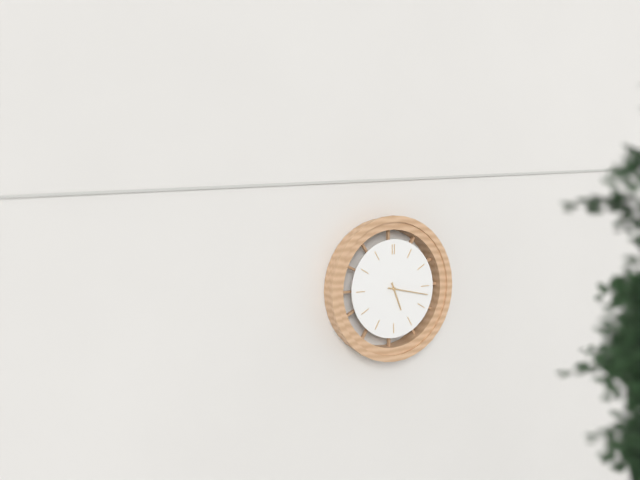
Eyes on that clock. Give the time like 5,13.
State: 5,17
